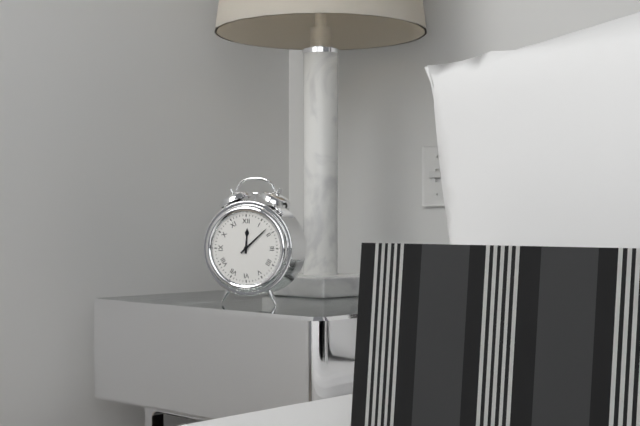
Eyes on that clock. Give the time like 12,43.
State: 12,08
